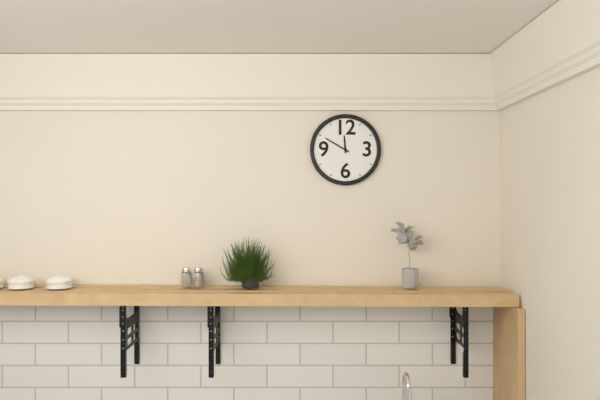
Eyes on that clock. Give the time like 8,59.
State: 11,50
